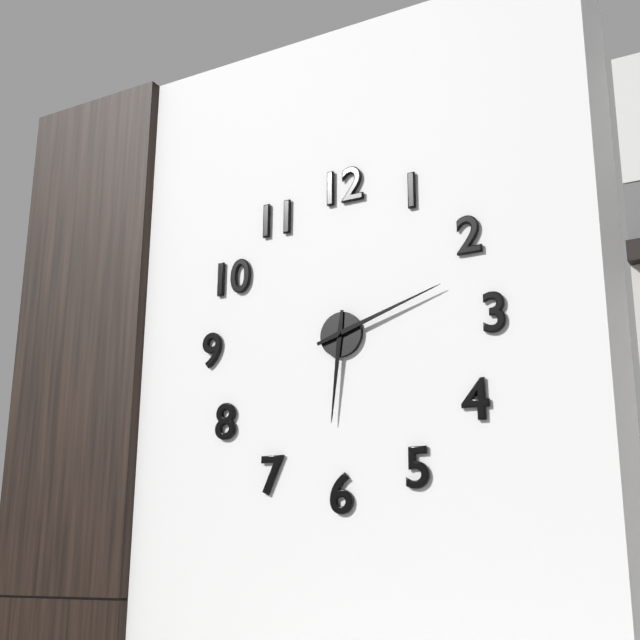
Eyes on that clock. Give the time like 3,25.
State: 6,12
